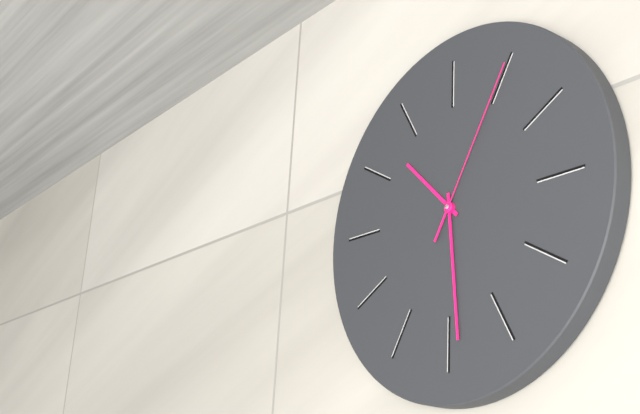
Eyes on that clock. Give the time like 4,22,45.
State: 10,29,05
